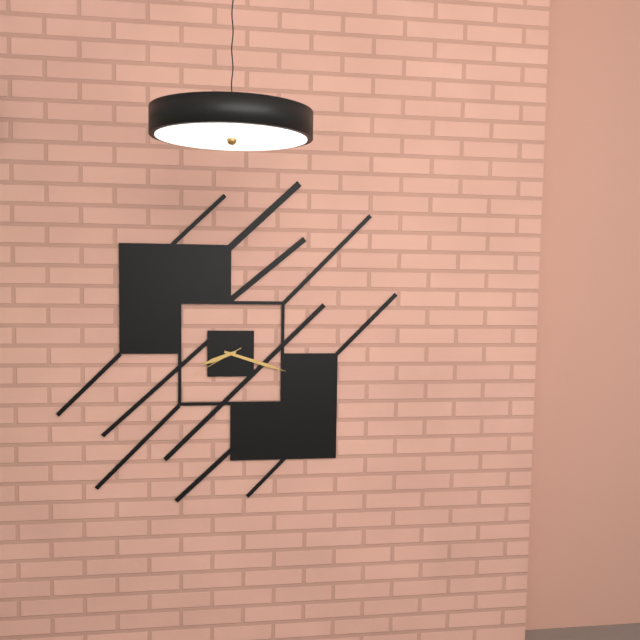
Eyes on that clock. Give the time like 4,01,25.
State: 8,18,40
